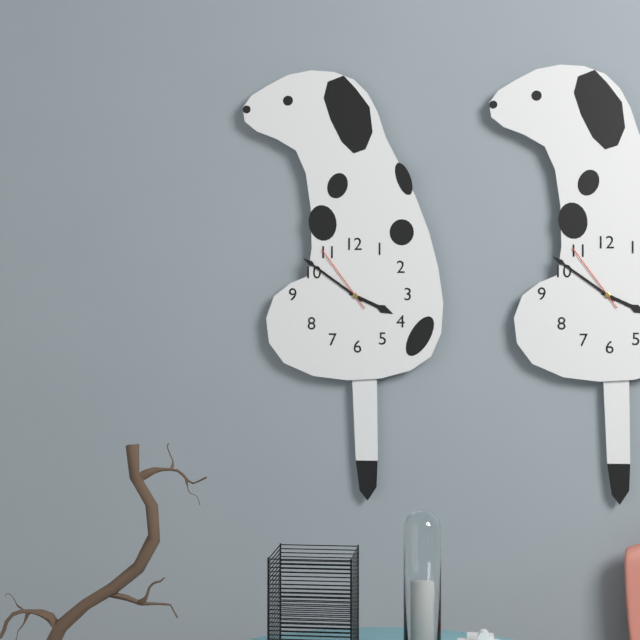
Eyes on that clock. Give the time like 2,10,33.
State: 3,51,54
